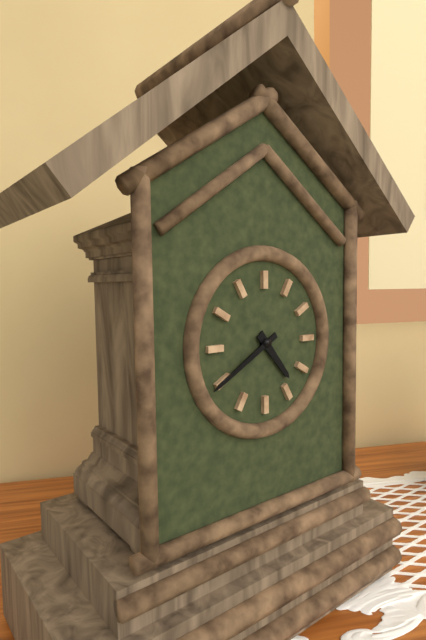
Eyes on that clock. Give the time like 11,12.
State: 4,40
